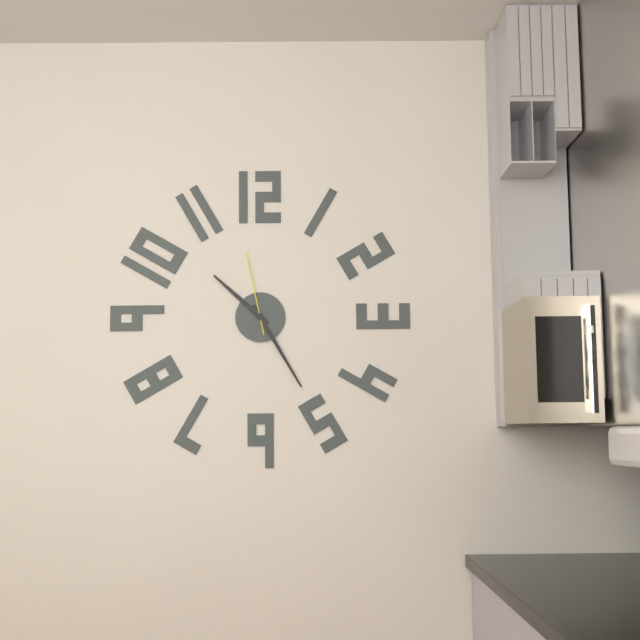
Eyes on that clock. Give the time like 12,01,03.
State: 10,25,58
